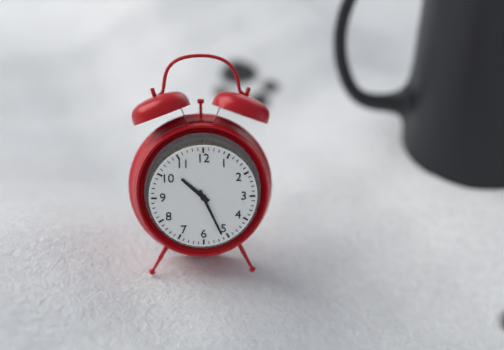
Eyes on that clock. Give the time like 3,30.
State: 10,26
